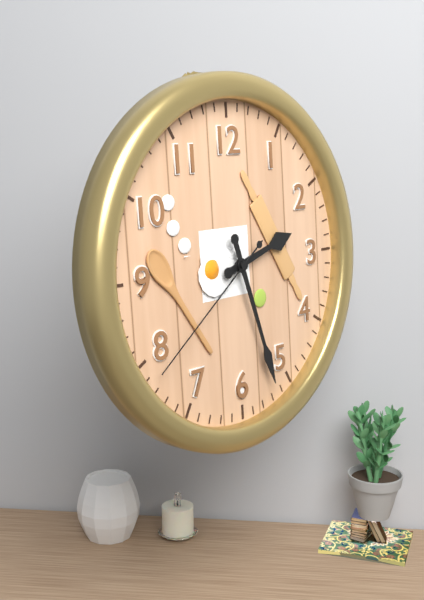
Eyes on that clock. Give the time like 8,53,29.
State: 2,27,39
